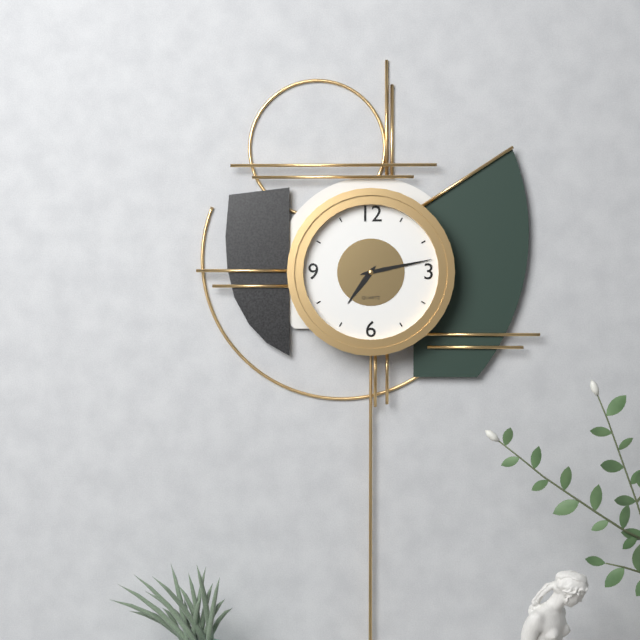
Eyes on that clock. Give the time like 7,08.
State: 7,13
